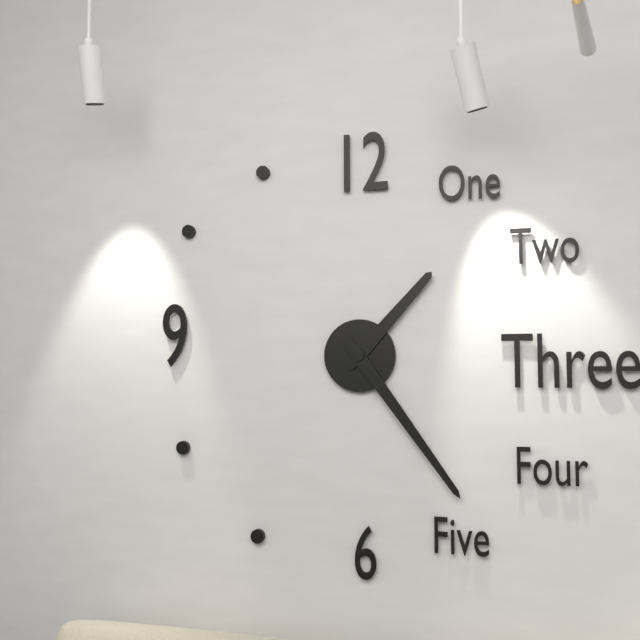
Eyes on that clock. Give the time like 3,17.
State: 1,24
